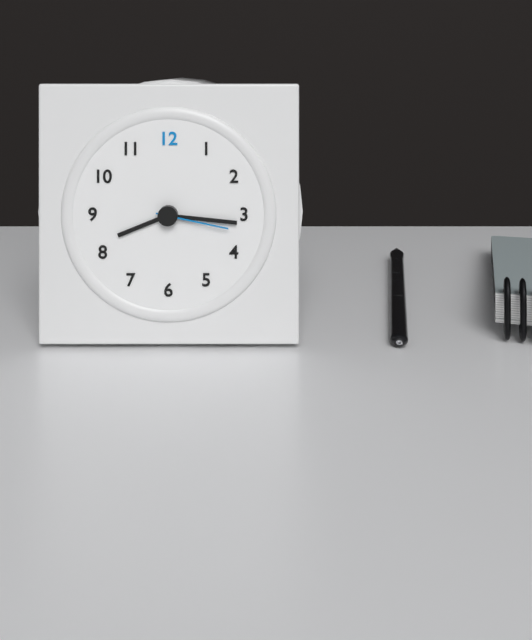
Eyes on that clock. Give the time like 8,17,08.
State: 8,16,17
